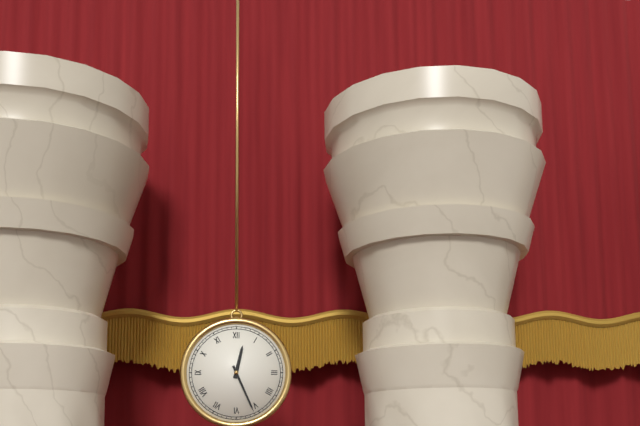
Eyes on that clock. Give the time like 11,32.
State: 12,26
